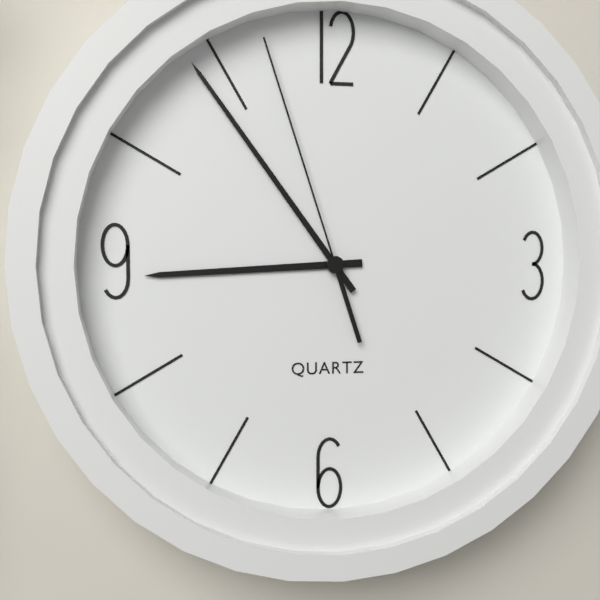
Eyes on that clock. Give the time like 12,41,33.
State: 8,54,57
